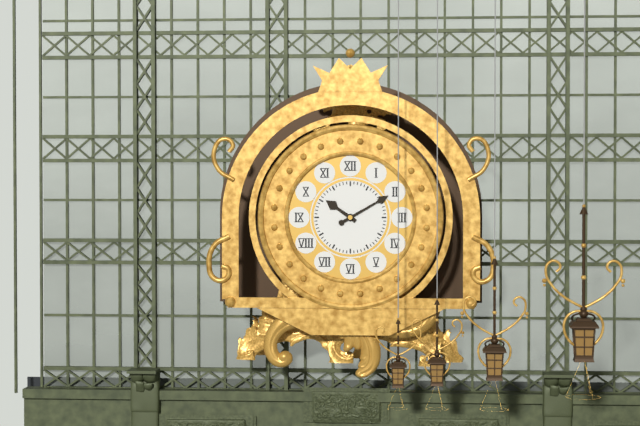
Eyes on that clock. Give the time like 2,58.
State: 10,10
